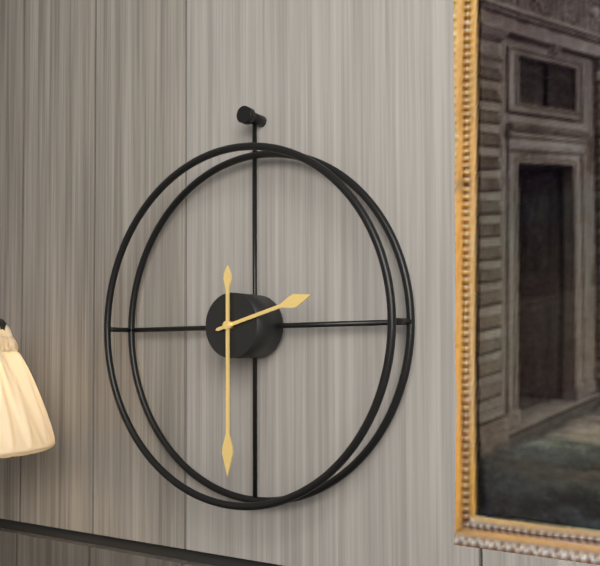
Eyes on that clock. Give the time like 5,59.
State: 2,30
